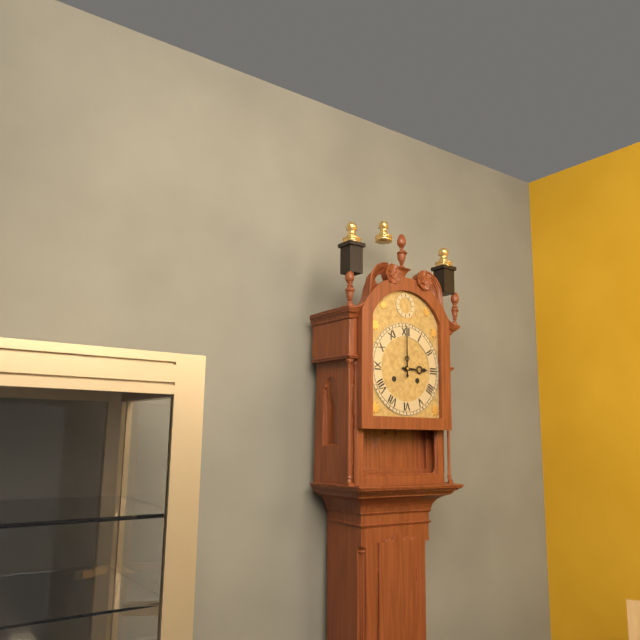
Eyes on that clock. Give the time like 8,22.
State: 3,00
